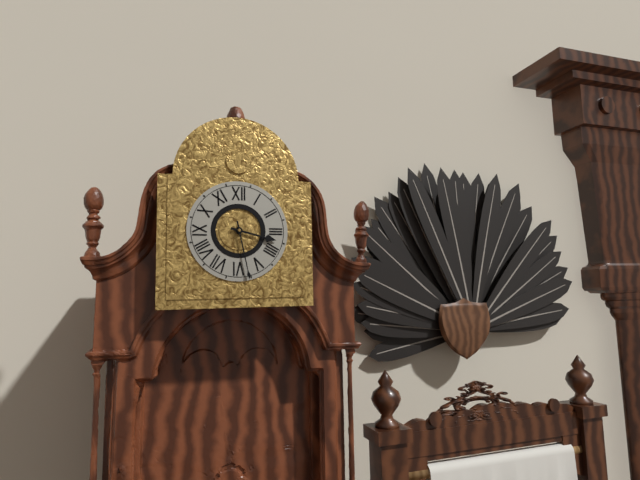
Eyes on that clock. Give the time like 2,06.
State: 3,28
